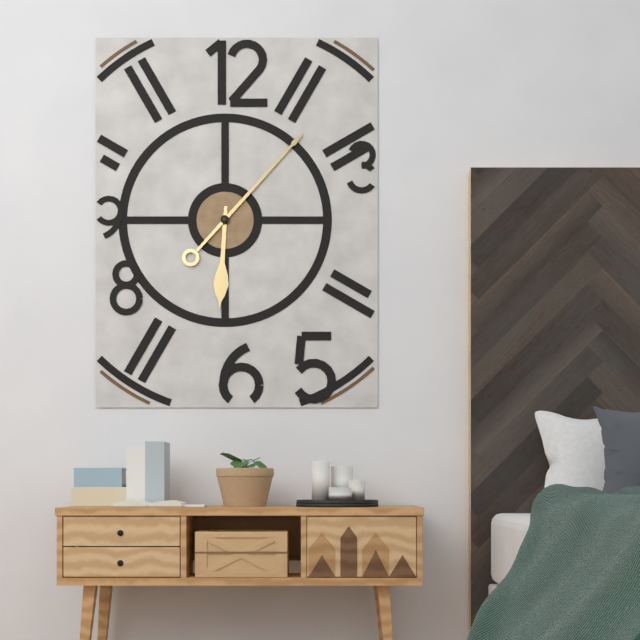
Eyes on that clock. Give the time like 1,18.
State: 6,07
